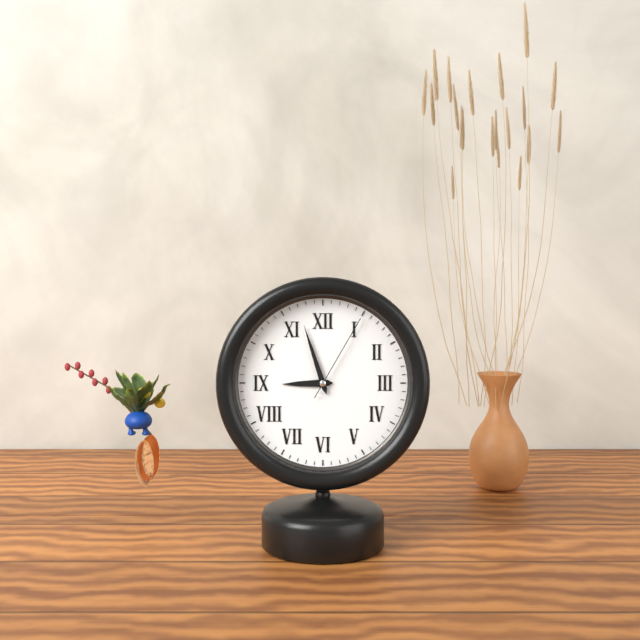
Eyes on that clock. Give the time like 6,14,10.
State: 8,57,05
